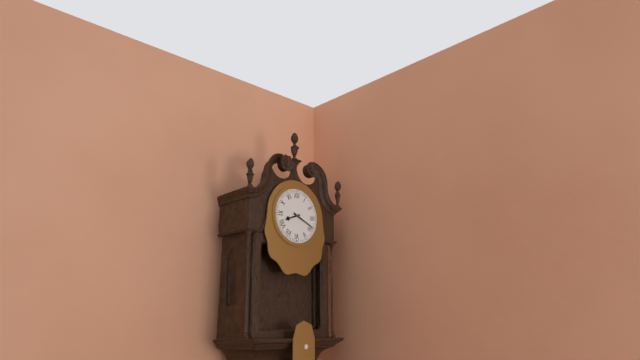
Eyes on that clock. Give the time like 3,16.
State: 8,19
